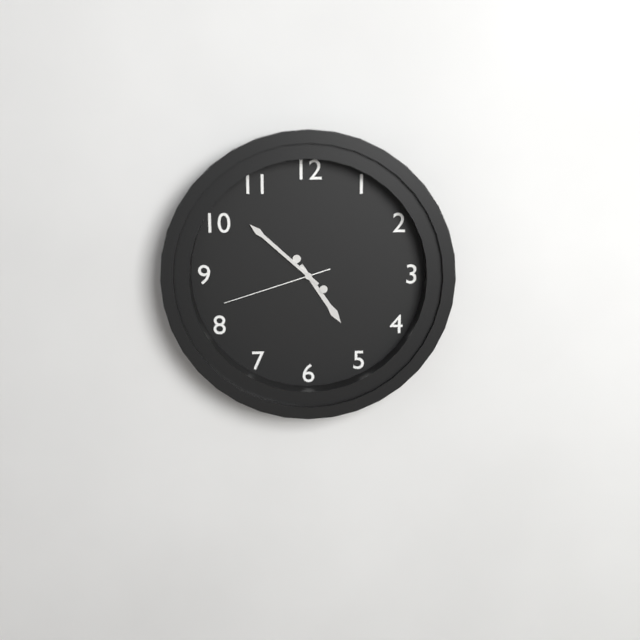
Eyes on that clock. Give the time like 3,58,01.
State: 4,52,42
